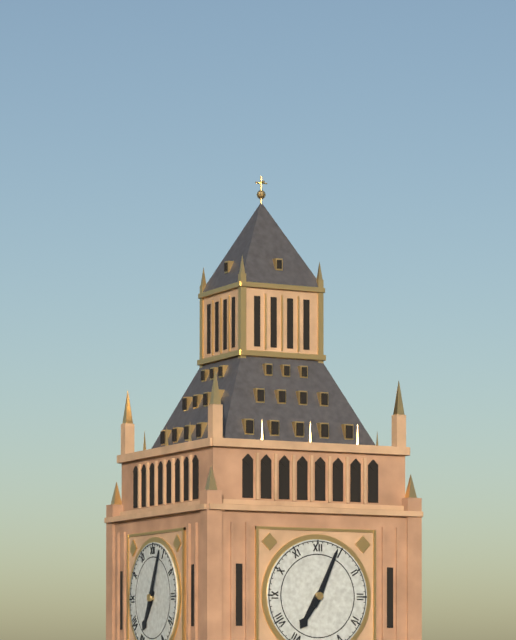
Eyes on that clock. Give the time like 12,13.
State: 7,04
